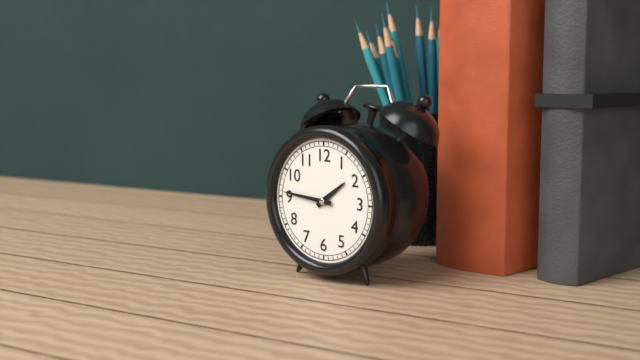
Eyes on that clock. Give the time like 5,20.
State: 1,46
